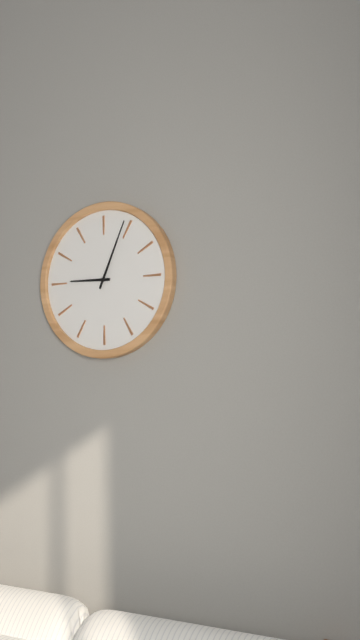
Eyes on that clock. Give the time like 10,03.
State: 9,04
